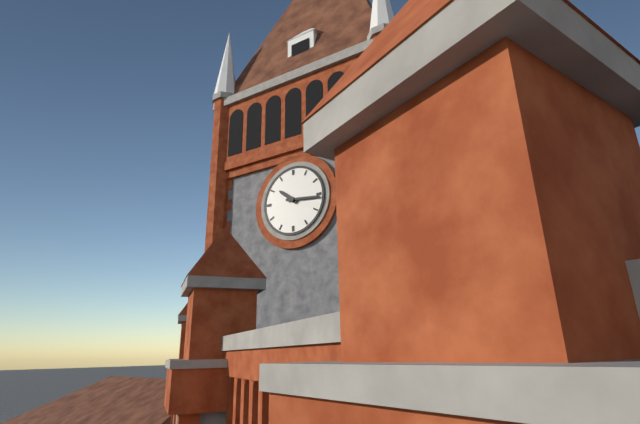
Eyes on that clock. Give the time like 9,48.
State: 10,16
